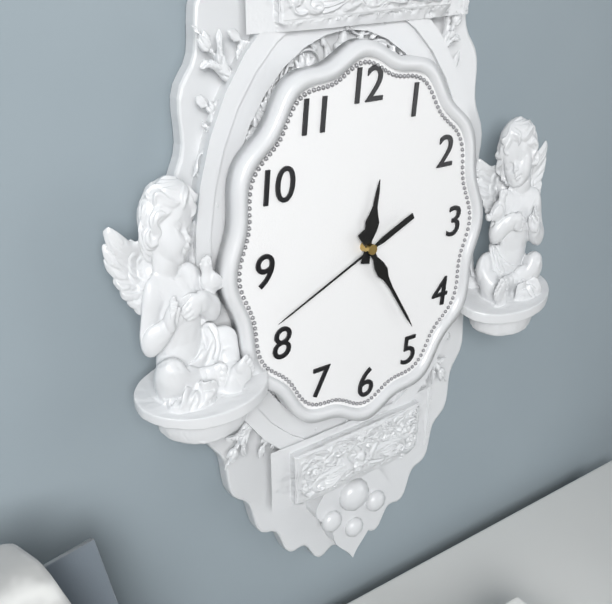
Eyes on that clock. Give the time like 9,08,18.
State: 12,25,41
